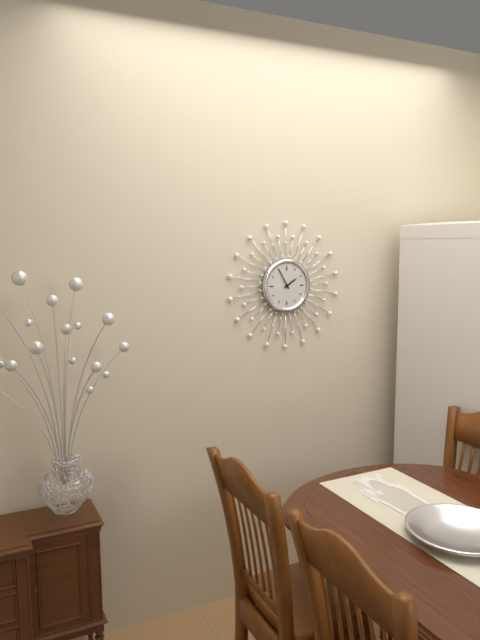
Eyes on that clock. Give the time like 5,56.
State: 1,55
